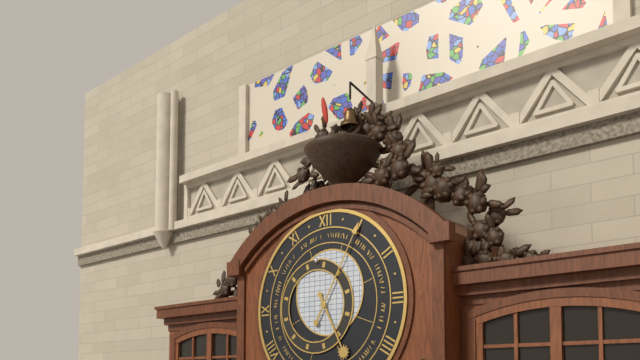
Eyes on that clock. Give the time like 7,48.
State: 5,05
